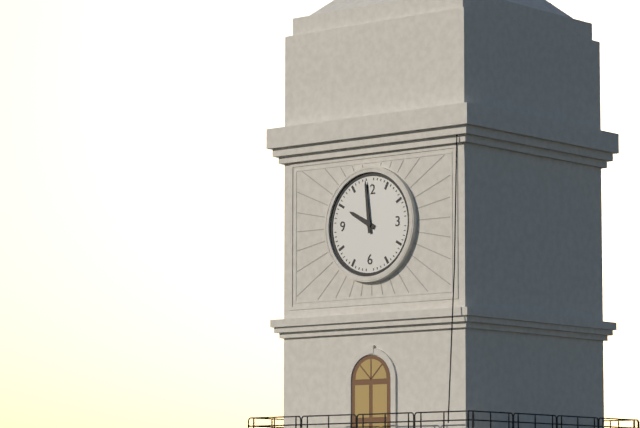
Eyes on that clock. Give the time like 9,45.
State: 9,59
